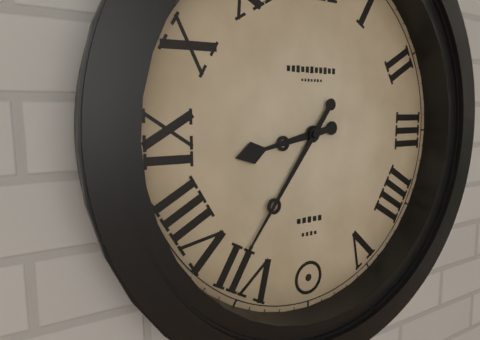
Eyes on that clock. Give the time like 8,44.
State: 8,36
